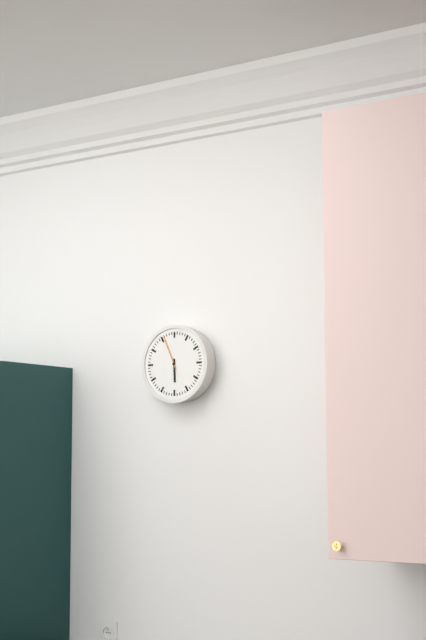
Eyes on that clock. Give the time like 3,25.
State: 5,56
